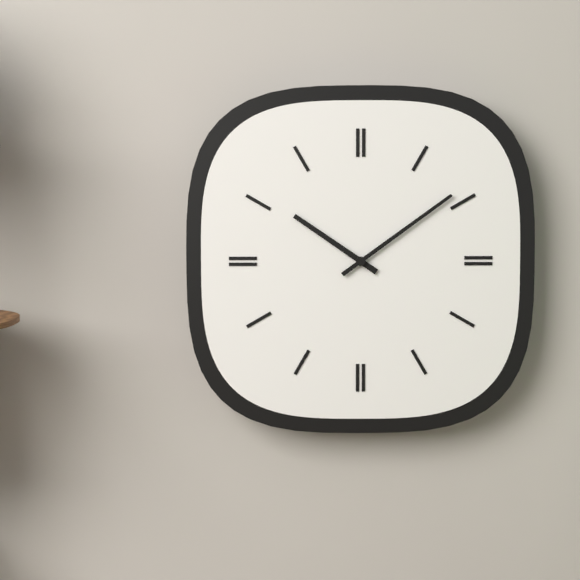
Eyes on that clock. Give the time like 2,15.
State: 10,09
